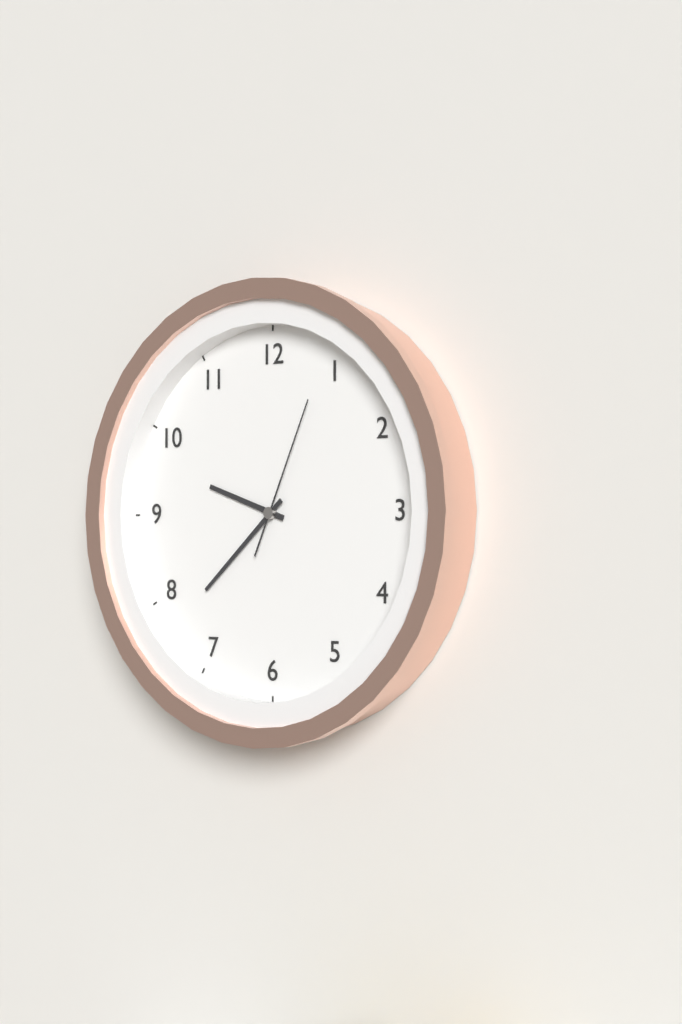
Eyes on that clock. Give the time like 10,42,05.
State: 9,38,04
